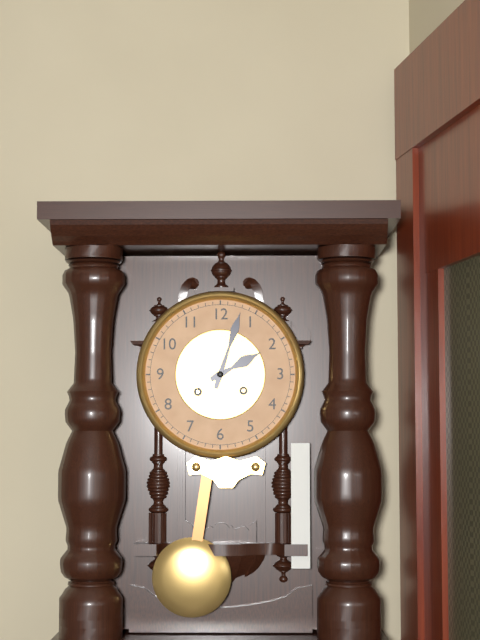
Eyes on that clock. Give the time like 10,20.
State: 2,03
